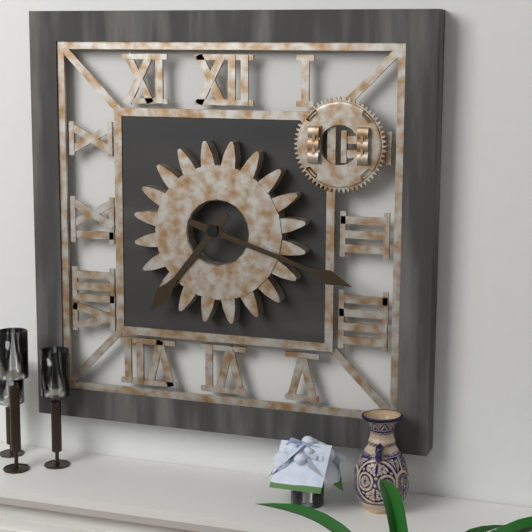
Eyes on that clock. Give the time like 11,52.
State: 7,18
